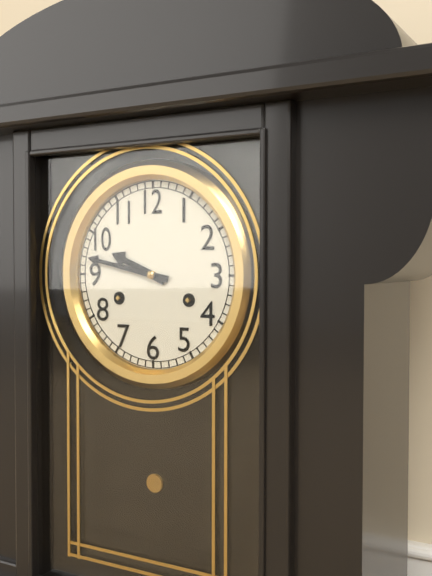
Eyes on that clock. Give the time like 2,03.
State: 9,47
